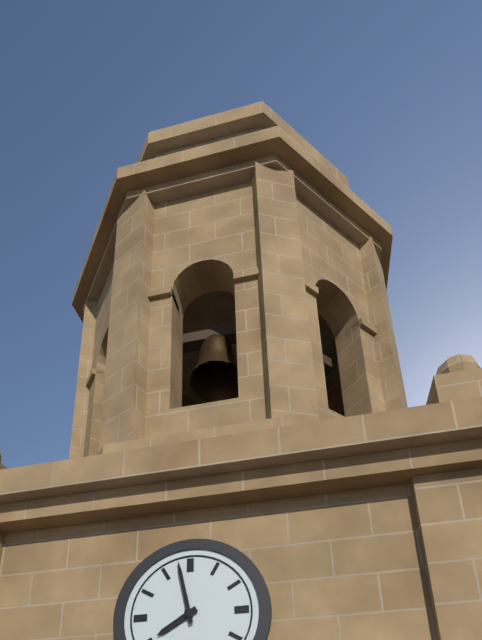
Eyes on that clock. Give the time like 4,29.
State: 7,58
